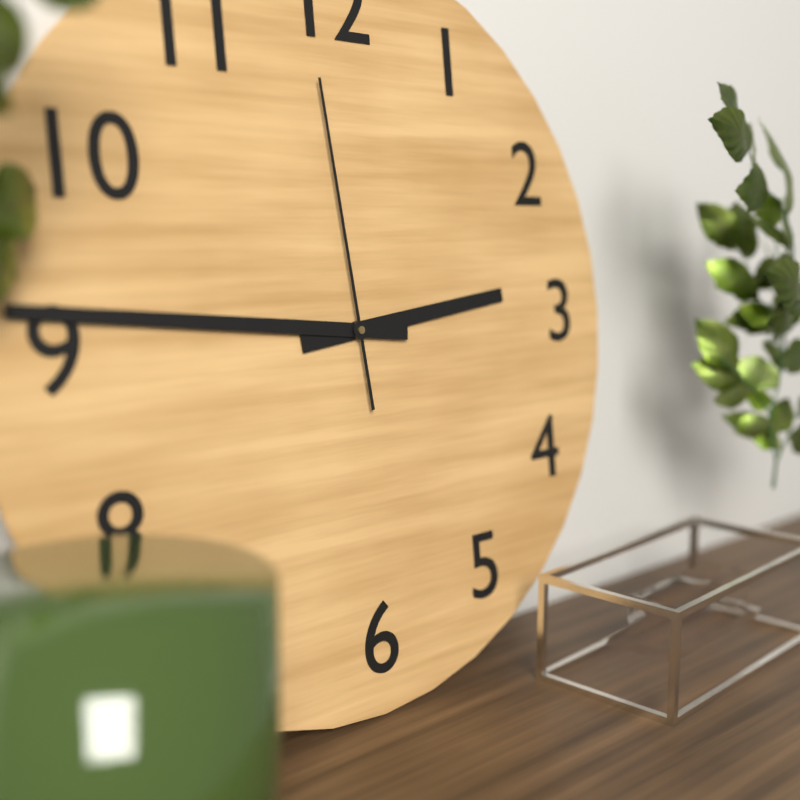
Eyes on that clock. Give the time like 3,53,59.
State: 2,46,59
